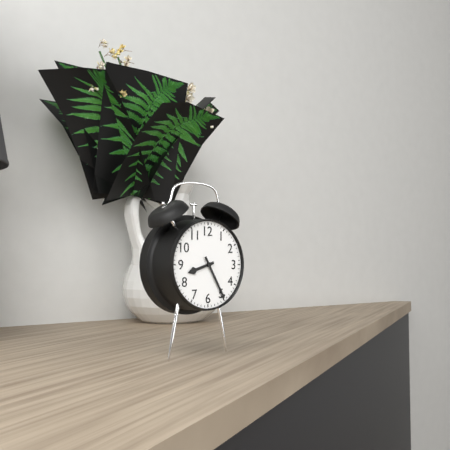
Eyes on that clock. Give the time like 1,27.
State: 8,25
